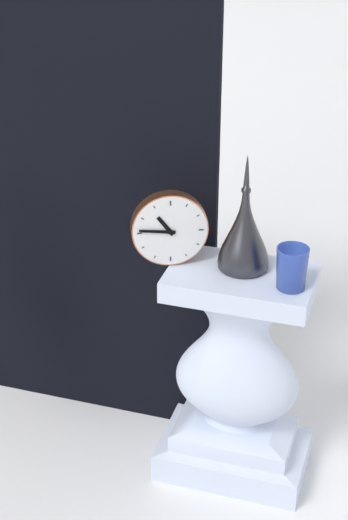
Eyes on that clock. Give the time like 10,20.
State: 10,46
